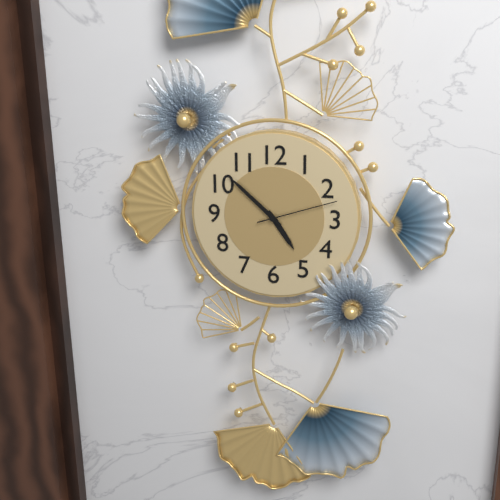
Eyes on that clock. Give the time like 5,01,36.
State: 4,52,12
